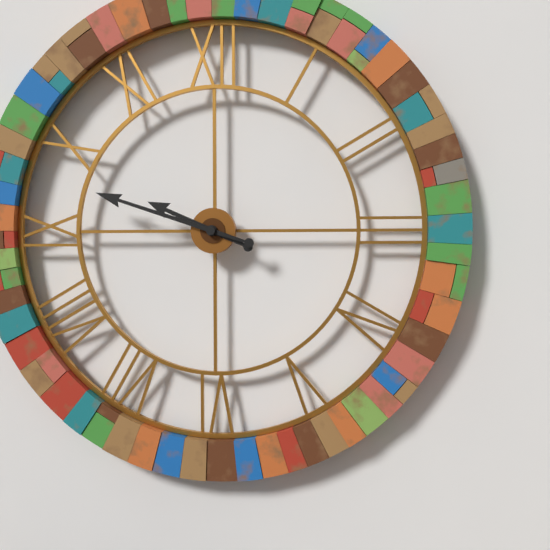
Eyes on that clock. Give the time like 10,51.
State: 9,48
